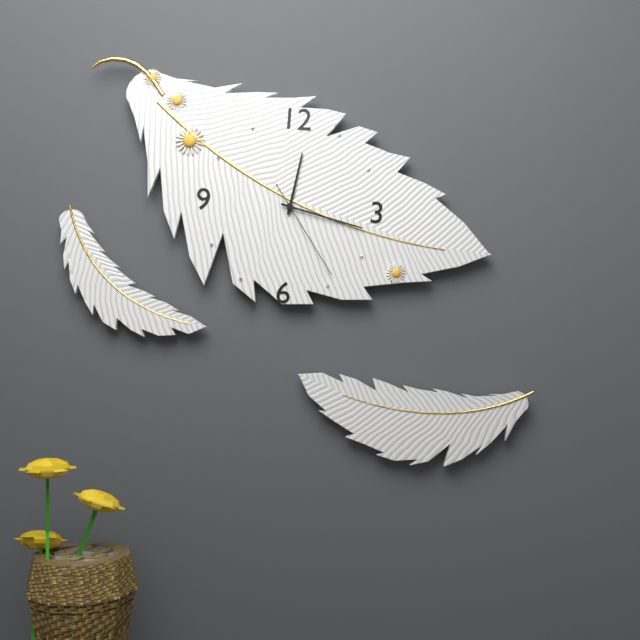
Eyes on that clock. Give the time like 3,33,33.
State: 12,17,24
